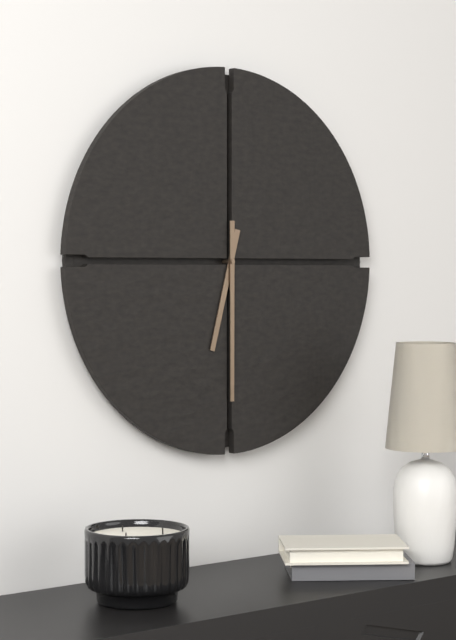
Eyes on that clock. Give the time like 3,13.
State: 6,30
